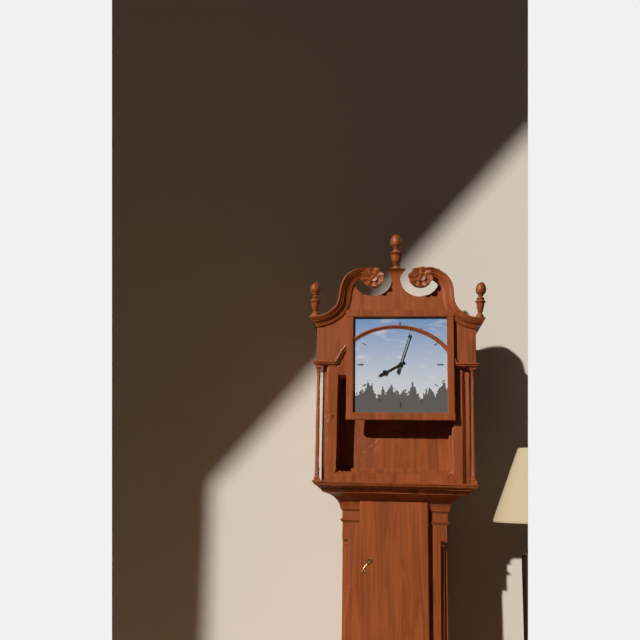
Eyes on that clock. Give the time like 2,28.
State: 8,03
